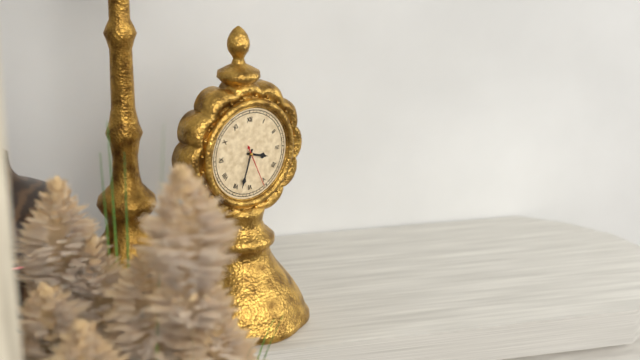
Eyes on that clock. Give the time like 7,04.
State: 3,33
